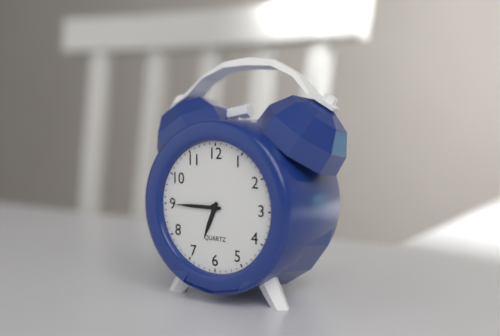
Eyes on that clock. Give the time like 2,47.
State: 6,45
